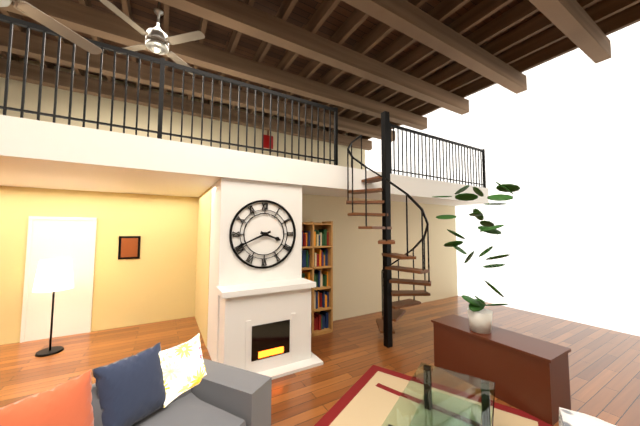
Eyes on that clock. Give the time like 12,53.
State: 3,41
